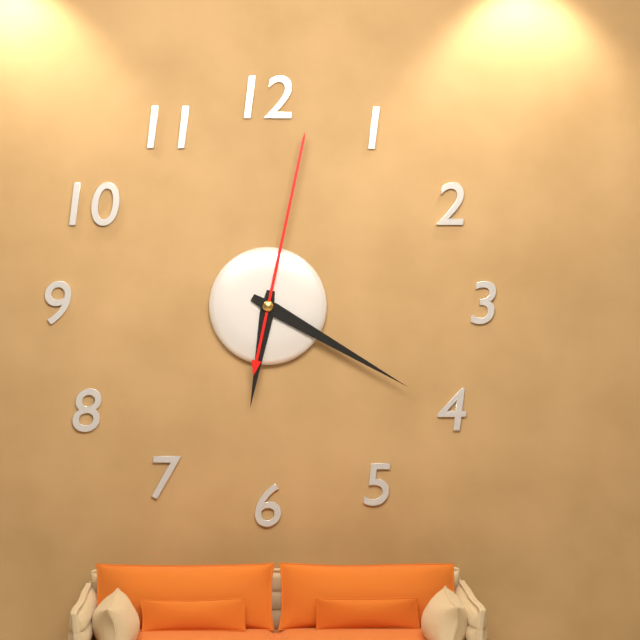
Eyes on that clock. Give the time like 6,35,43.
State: 6,20,02
